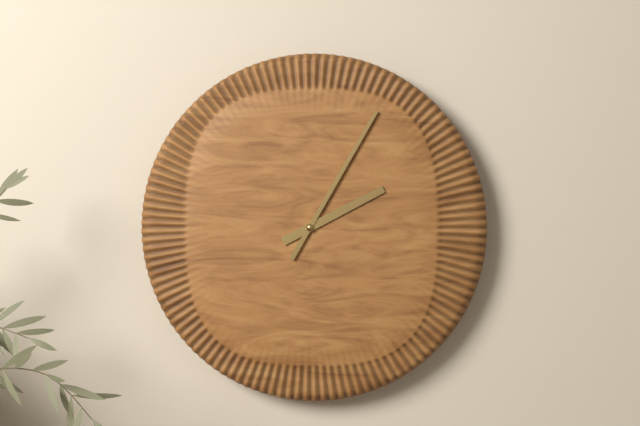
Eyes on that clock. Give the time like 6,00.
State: 2,05
